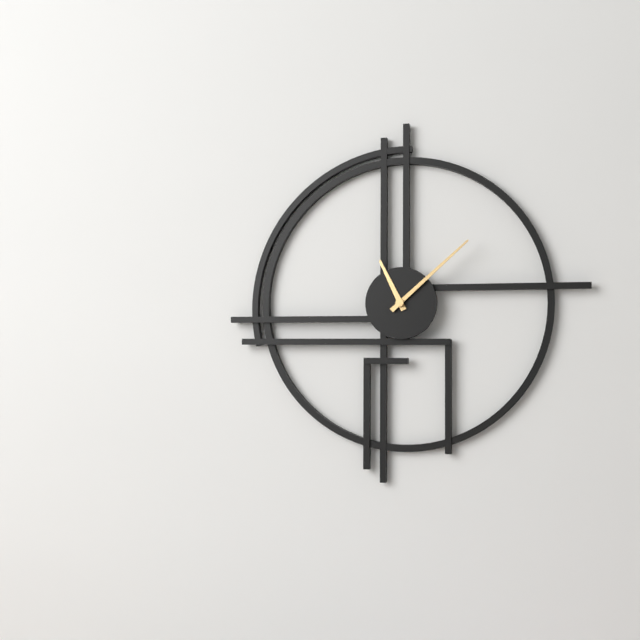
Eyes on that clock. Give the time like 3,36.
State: 11,08
